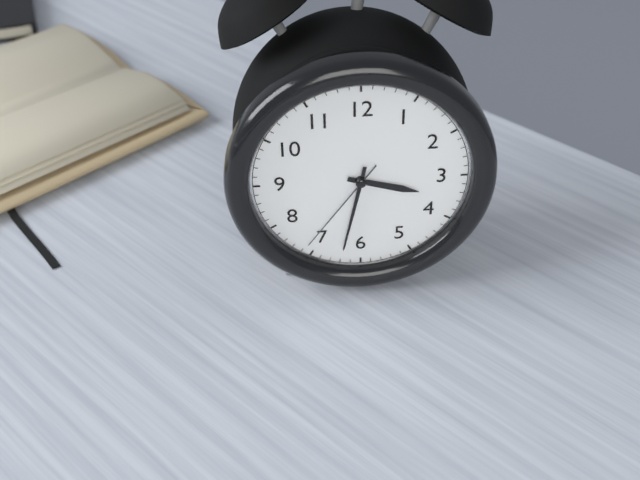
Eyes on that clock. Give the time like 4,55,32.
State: 3,32,36
